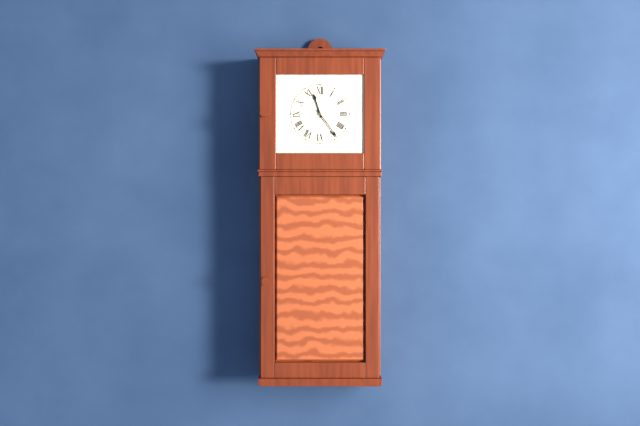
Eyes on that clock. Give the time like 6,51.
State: 11,24
